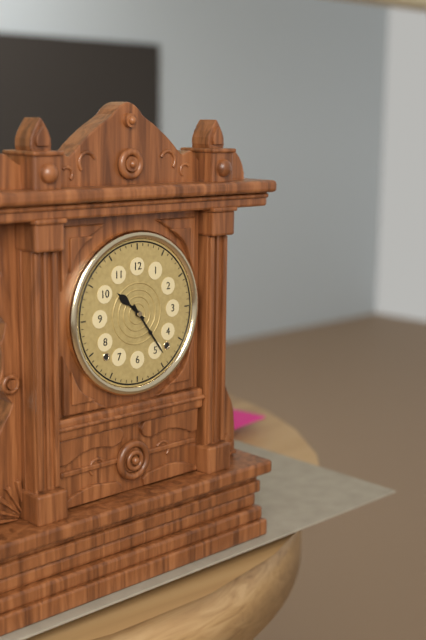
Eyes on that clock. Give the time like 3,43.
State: 10,24
